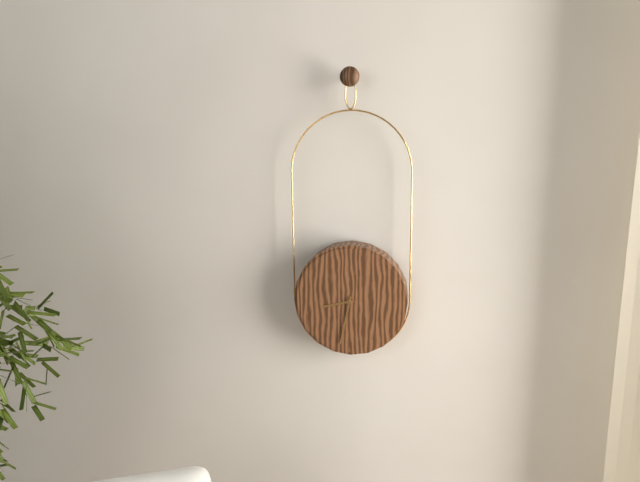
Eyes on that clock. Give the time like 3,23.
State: 8,32
